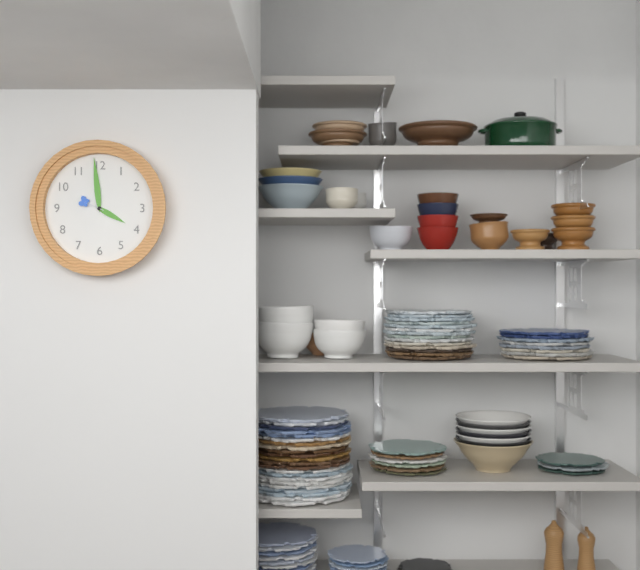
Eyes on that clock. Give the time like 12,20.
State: 3,59
